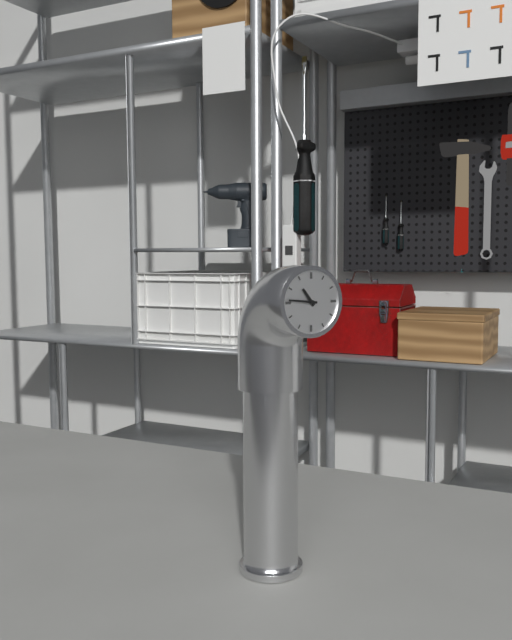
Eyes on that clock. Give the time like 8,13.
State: 10,46
